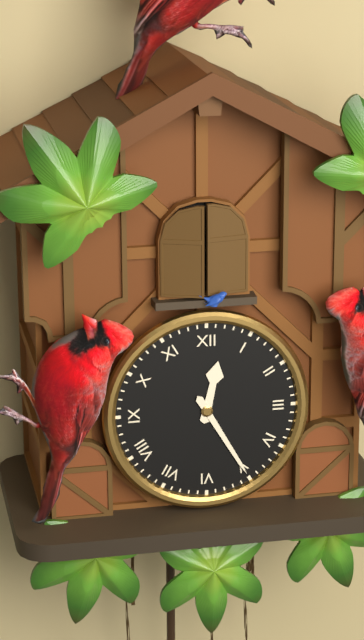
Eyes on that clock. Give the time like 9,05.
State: 12,25
